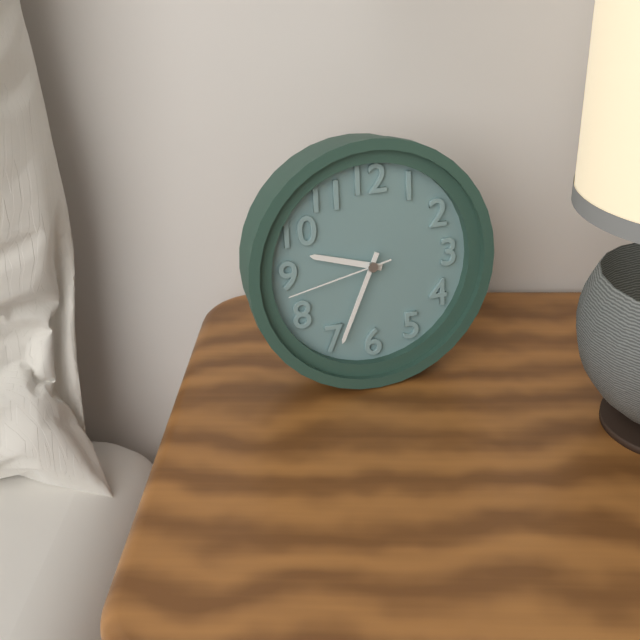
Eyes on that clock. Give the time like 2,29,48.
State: 9,34,43
